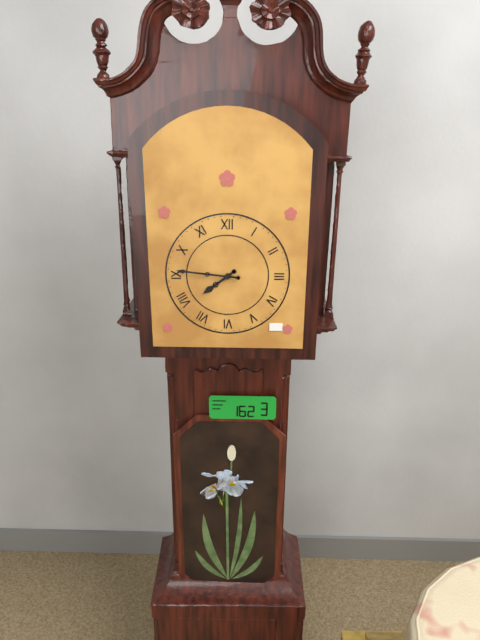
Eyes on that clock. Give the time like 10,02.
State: 7,46
